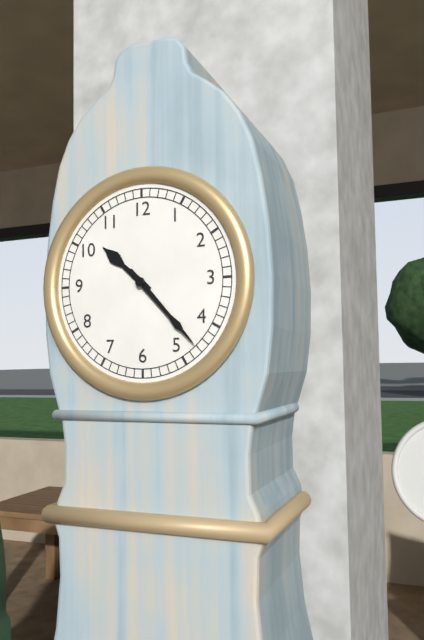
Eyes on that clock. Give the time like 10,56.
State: 10,23
